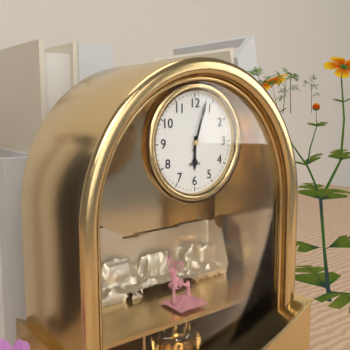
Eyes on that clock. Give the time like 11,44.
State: 6,03
